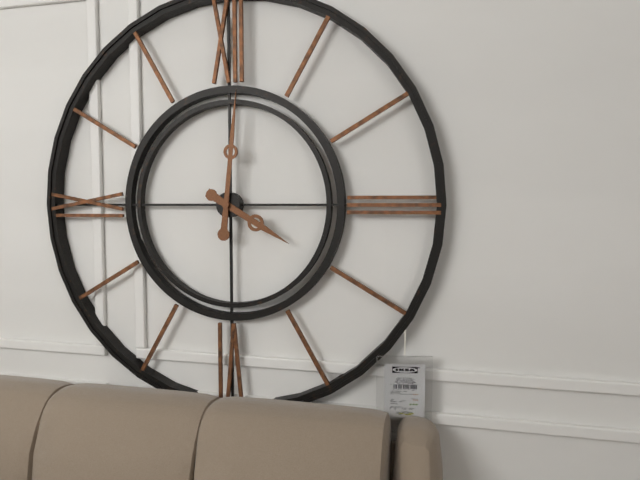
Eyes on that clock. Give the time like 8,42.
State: 4,01
